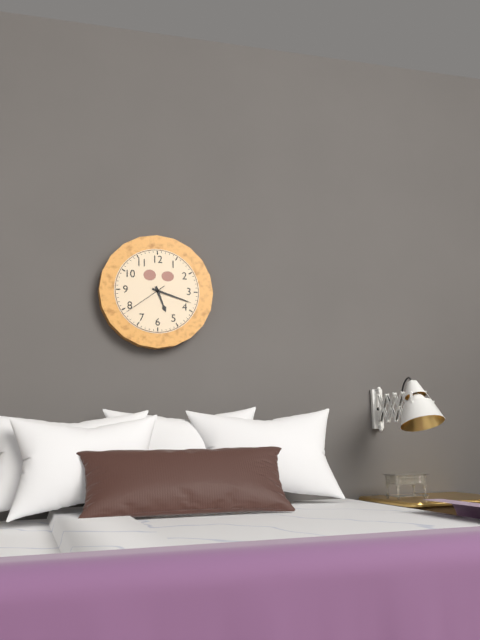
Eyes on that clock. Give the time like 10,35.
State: 5,18
